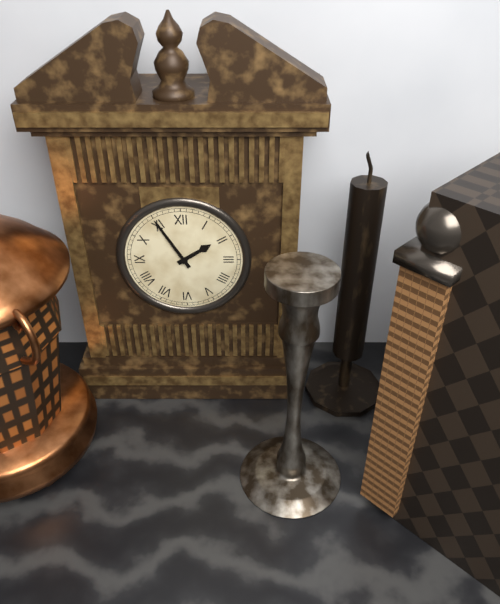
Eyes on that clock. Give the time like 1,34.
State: 1,55
